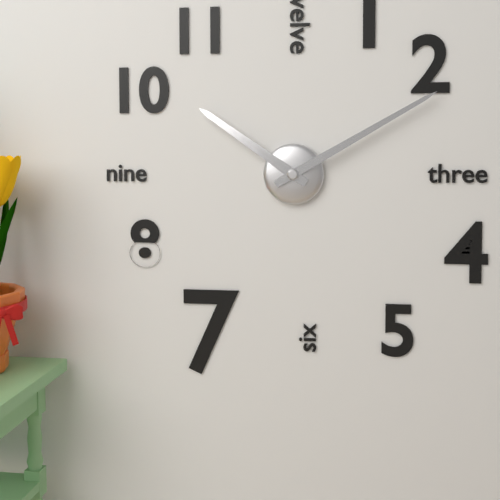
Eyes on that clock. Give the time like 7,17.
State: 10,10
